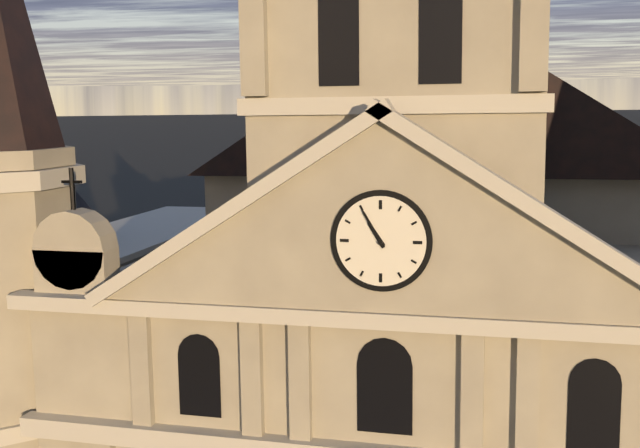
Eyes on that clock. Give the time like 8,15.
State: 10,55
